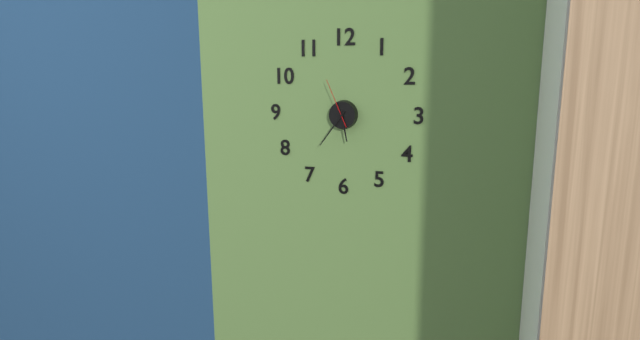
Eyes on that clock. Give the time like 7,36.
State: 5,36
